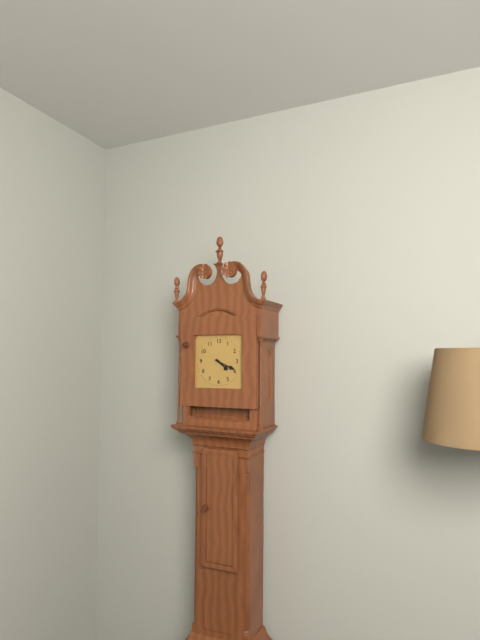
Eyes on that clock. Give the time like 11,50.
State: 4,19
